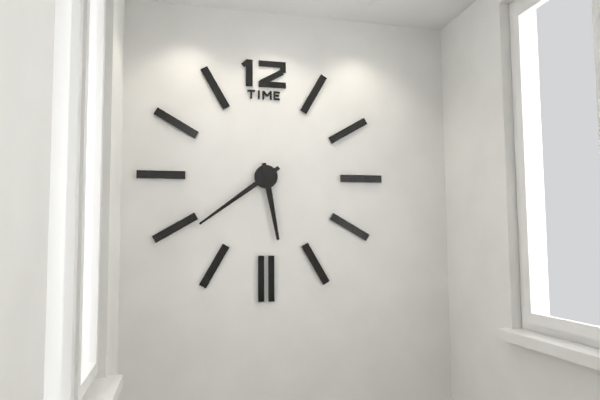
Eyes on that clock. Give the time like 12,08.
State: 5,39
